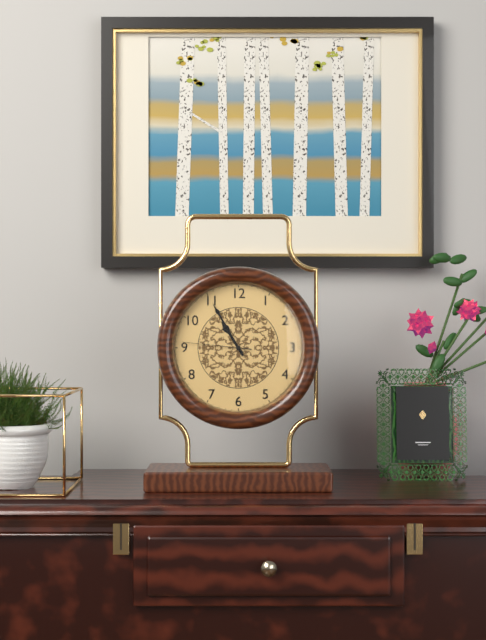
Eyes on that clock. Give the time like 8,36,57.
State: 10,55,46
